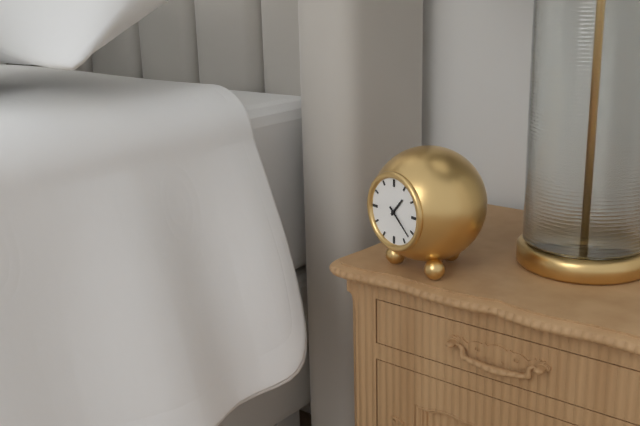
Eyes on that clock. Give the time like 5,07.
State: 1,22
